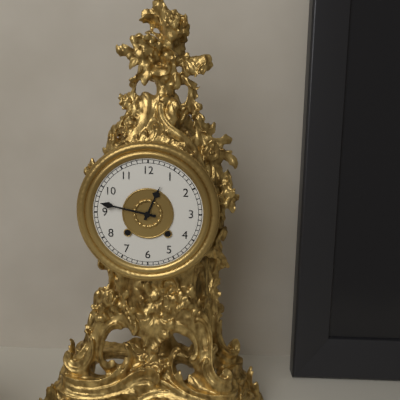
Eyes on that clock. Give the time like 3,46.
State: 12,47
